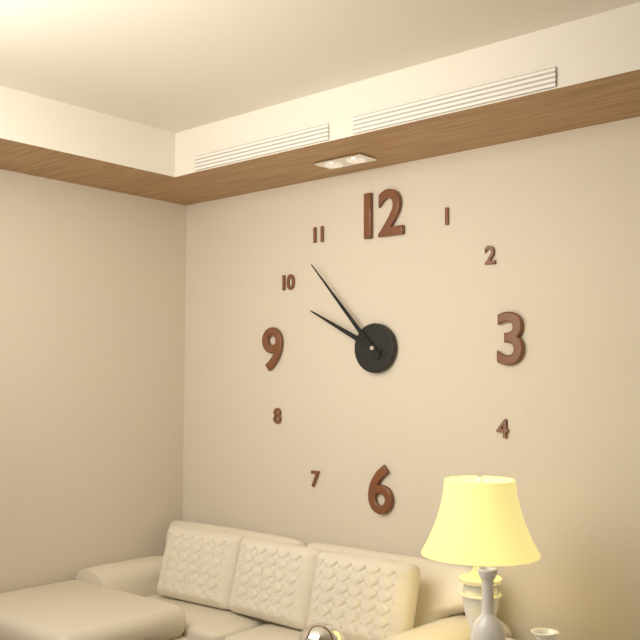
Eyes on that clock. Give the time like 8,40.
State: 9,53
